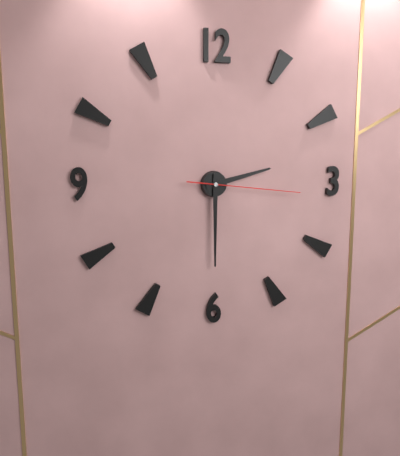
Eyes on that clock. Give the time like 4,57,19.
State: 2,30,16
